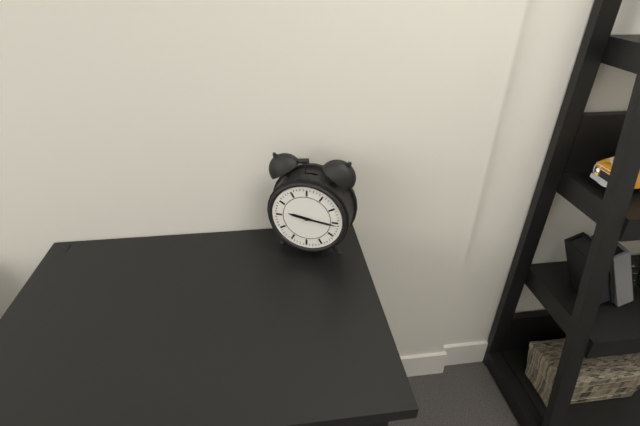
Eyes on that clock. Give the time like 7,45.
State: 9,16
